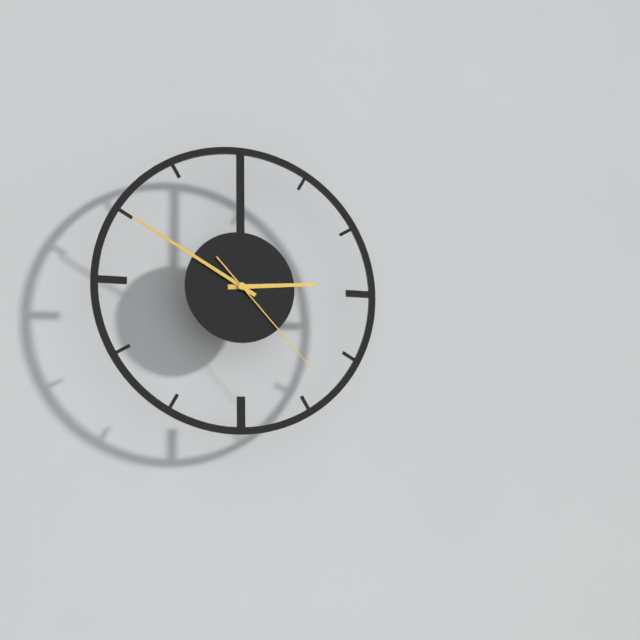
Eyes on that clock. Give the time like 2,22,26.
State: 2,50,23
